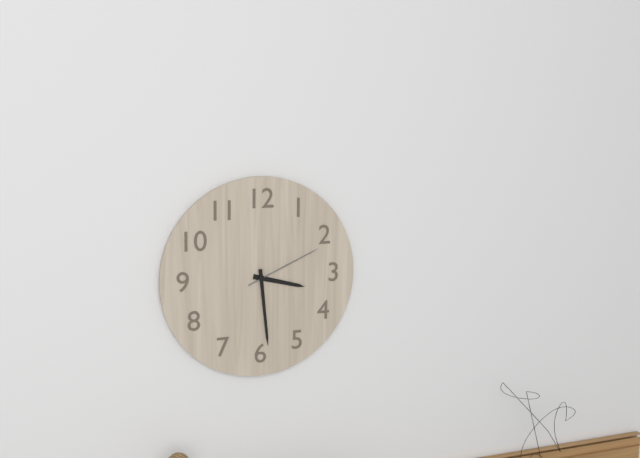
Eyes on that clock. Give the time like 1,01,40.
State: 3,29,11
